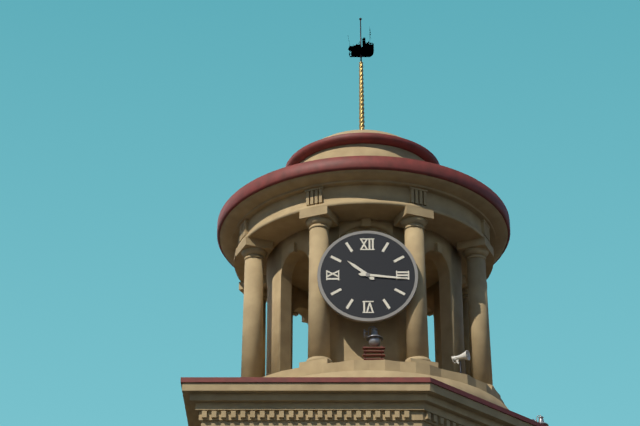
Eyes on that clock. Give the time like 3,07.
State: 10,16
